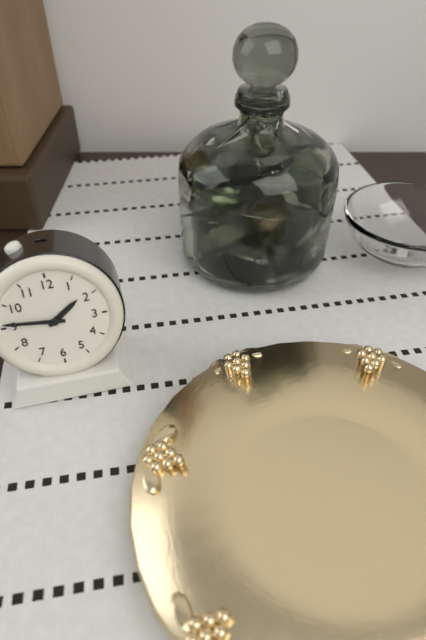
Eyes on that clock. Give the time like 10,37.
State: 1,46
